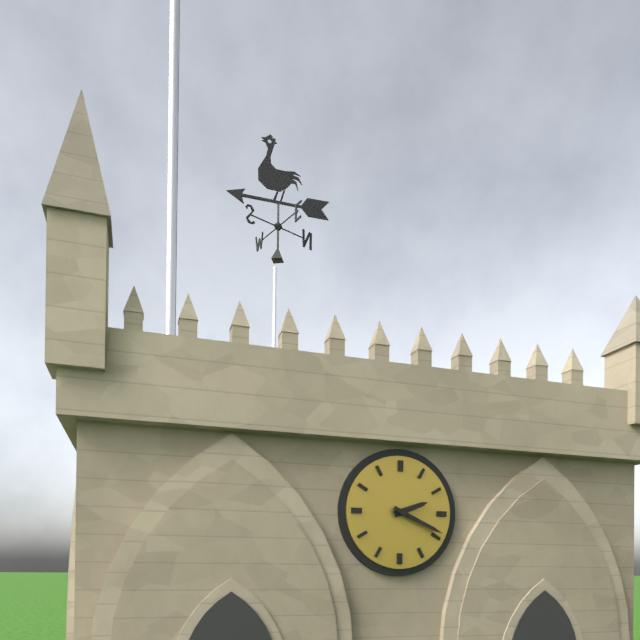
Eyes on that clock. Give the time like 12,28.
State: 2,19
